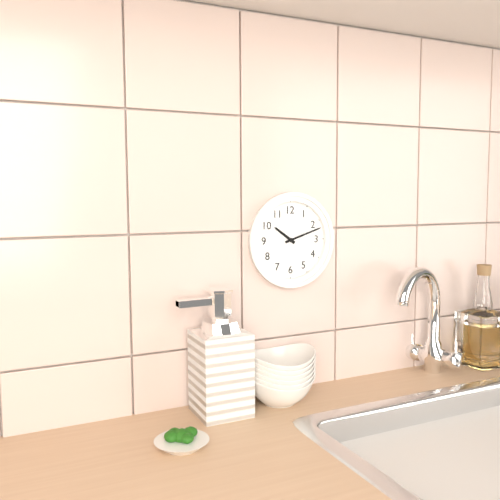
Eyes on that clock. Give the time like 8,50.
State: 10,12
